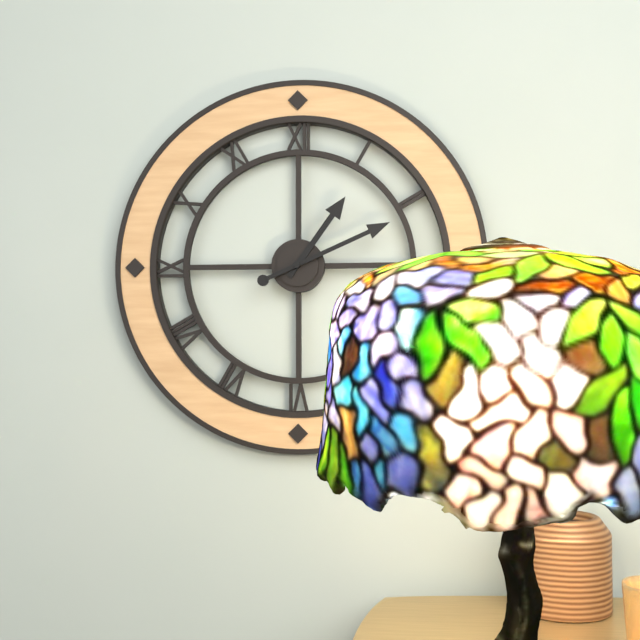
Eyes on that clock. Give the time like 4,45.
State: 1,11
